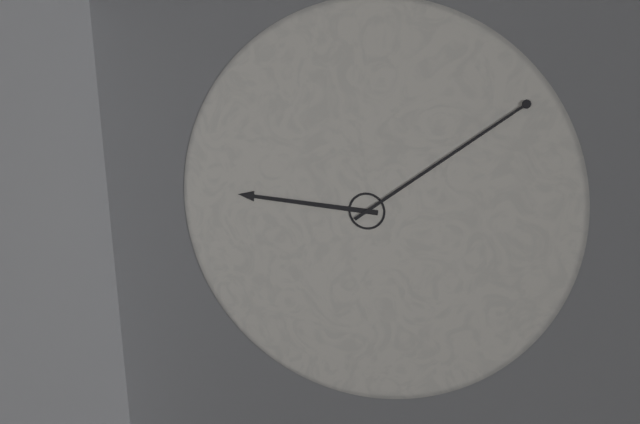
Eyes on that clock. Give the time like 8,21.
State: 9,09
